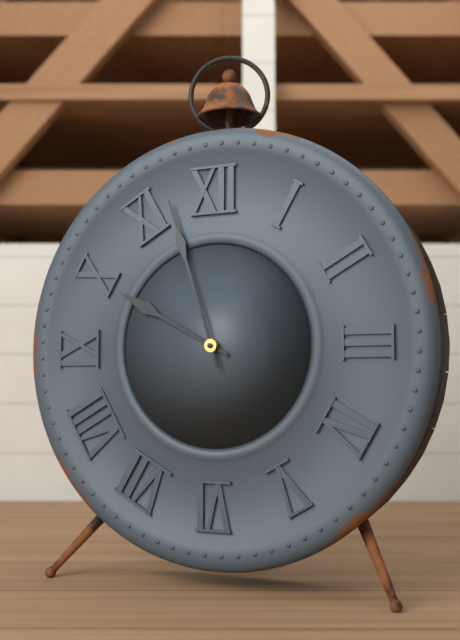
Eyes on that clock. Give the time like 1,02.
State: 9,57
